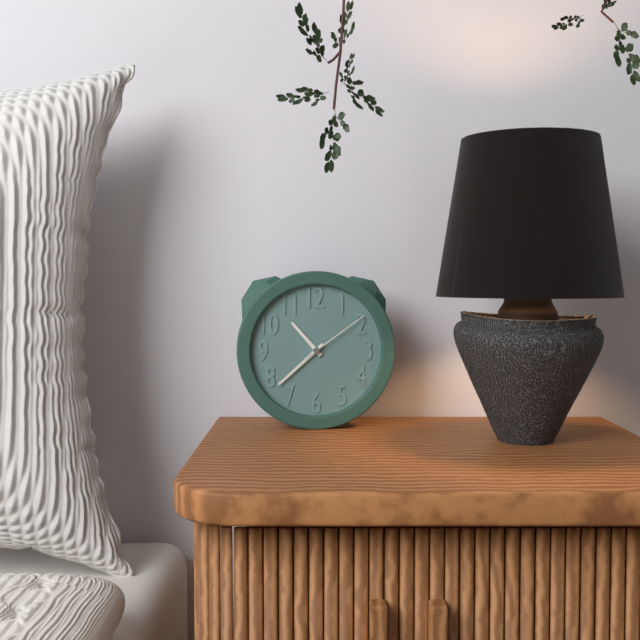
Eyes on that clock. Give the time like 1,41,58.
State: 10,38,09
